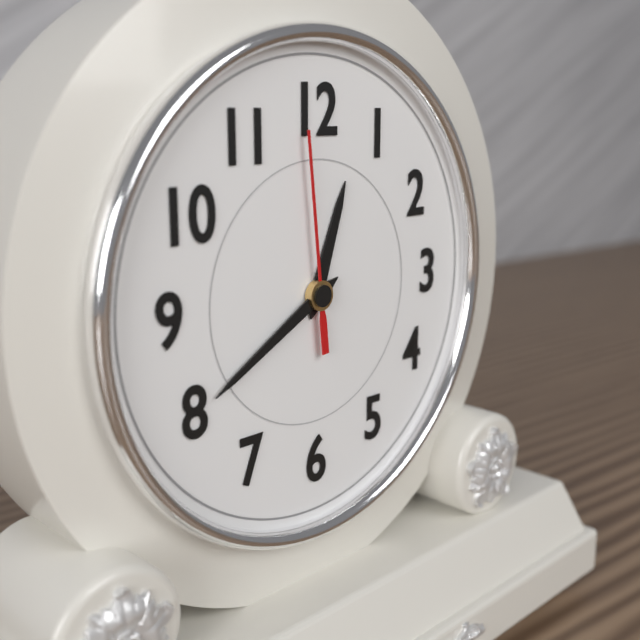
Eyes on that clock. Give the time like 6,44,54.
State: 12,40,59
